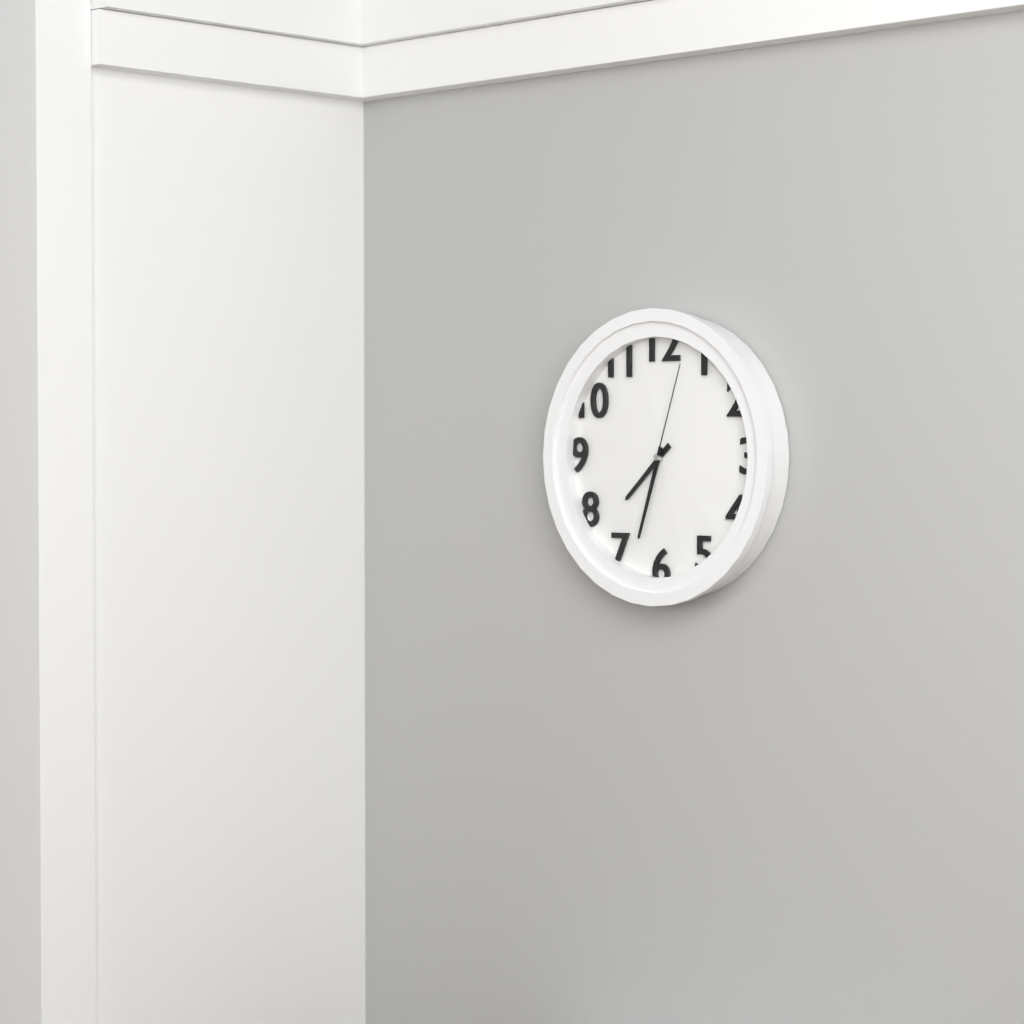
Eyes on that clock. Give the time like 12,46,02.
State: 7,33,03
